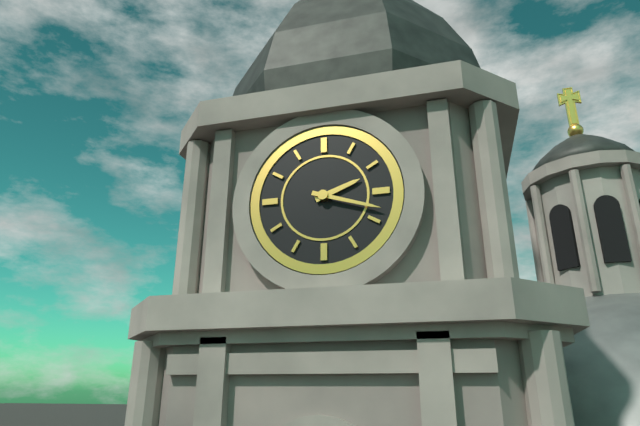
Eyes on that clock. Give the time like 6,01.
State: 2,18
